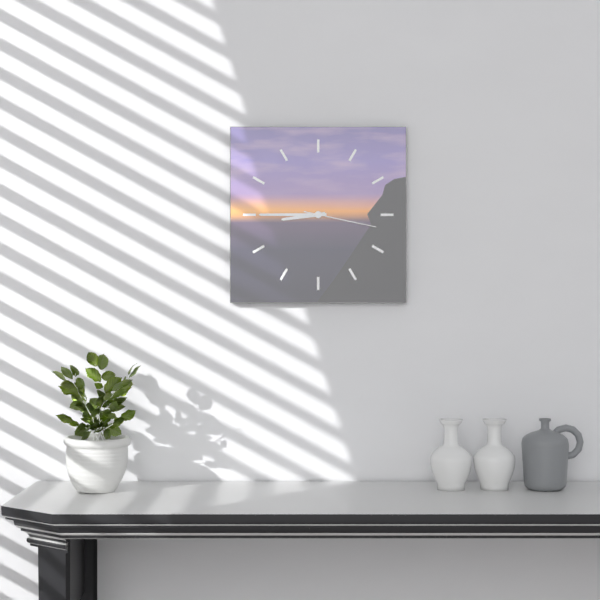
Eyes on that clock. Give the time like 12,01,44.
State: 8,45,17
